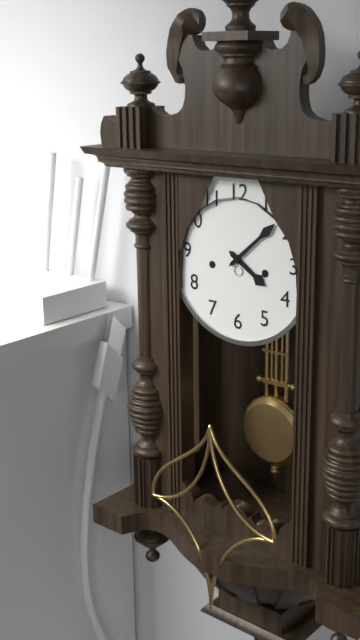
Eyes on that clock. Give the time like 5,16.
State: 4,08
